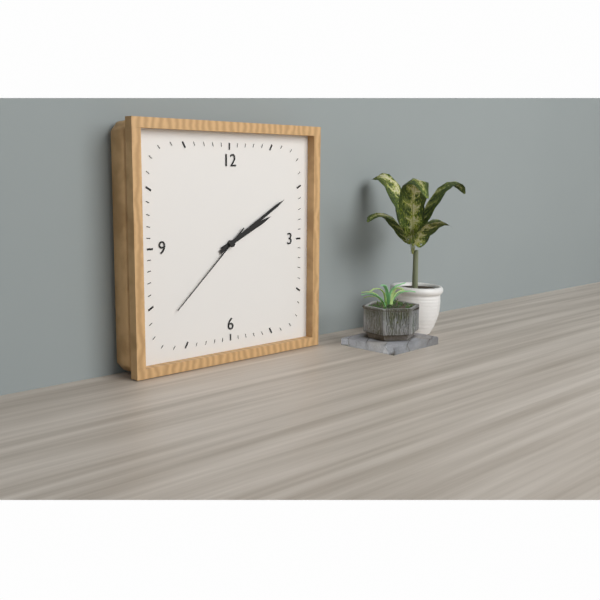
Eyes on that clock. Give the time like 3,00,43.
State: 2,10,38
